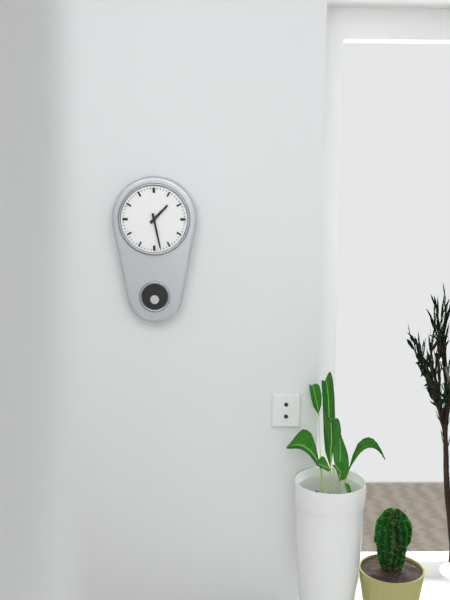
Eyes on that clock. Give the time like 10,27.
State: 1,28
